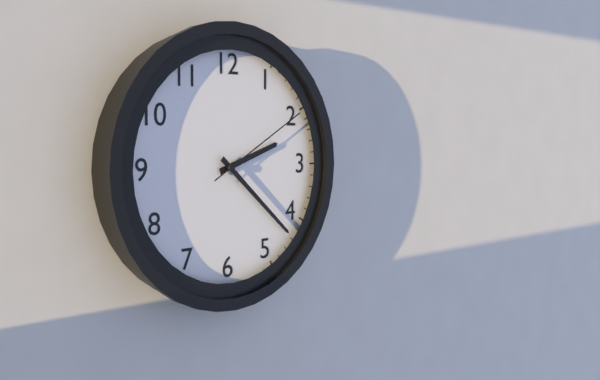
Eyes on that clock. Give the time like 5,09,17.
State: 2,22,10
